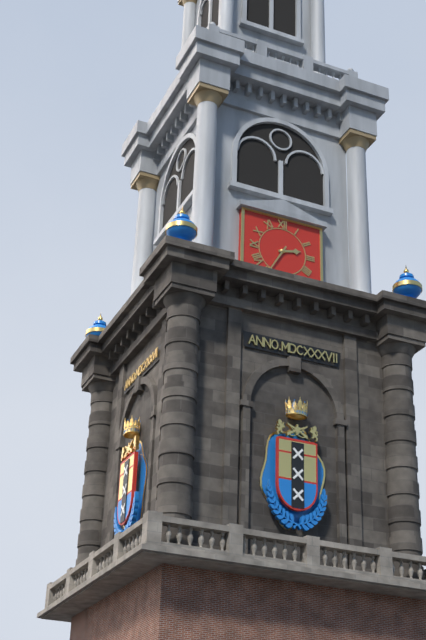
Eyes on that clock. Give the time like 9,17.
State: 2,35
